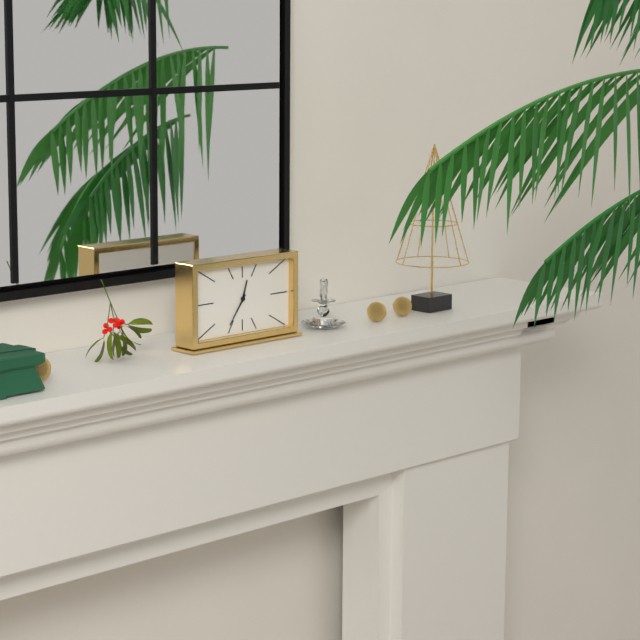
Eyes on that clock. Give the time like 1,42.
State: 12,36
